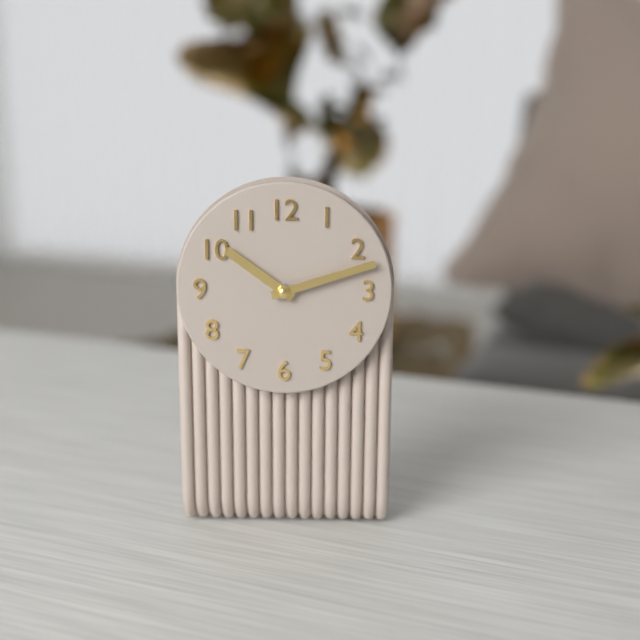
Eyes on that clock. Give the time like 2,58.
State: 10,12
